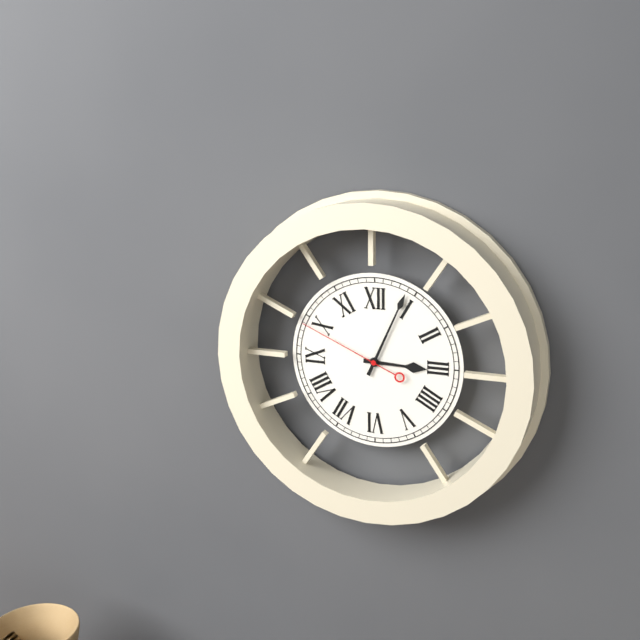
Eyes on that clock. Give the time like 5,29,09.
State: 3,04,49
